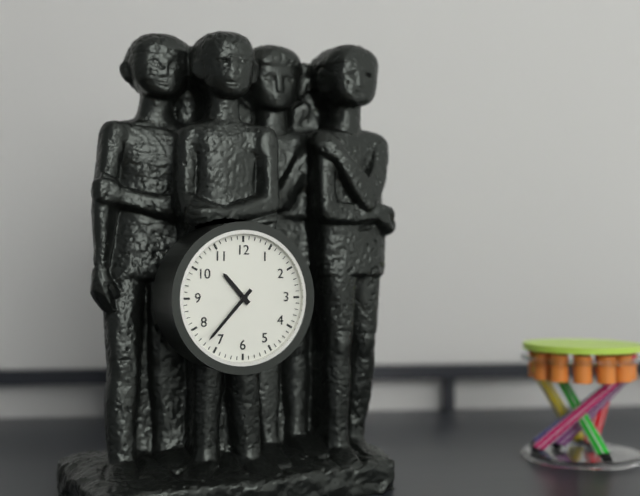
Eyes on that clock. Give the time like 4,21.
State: 10,37
